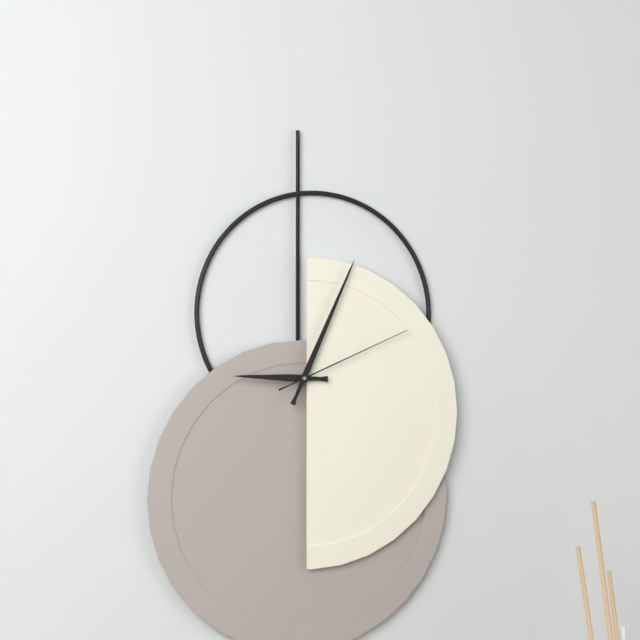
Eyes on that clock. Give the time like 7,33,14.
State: 9,04,11
